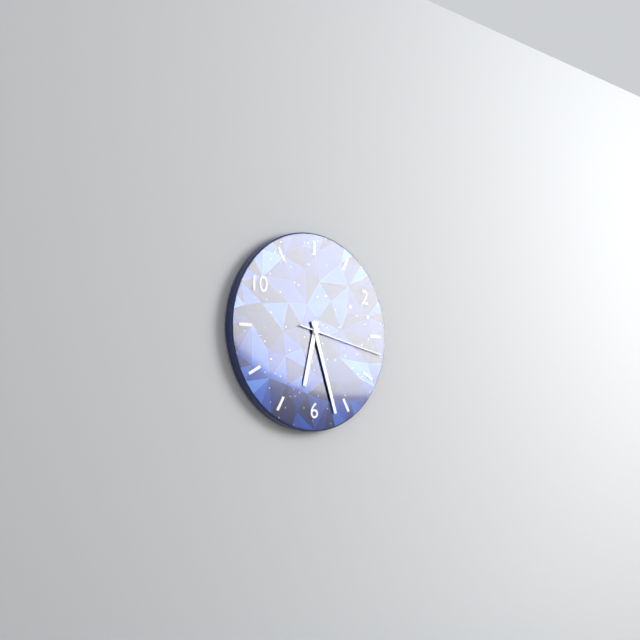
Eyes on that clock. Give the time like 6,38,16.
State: 6,27,17
